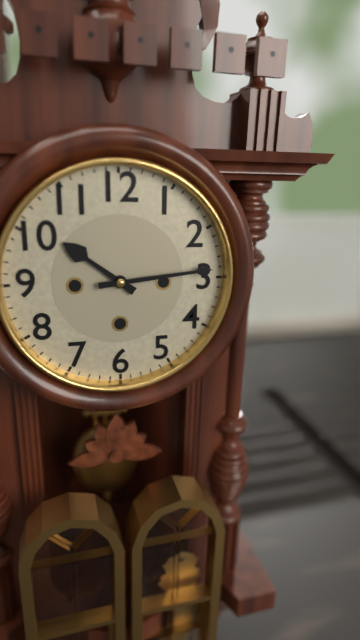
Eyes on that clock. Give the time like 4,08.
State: 10,14
